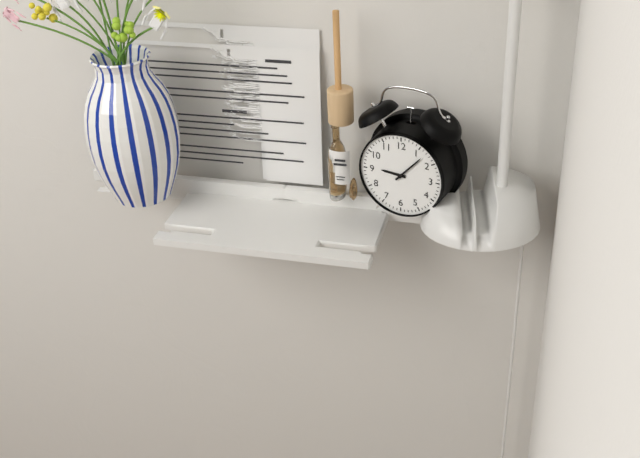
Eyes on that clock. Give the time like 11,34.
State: 9,07
